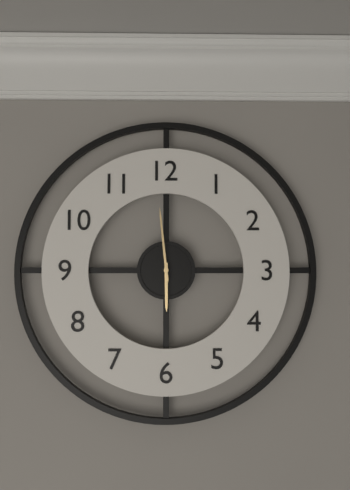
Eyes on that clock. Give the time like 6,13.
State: 5,59
